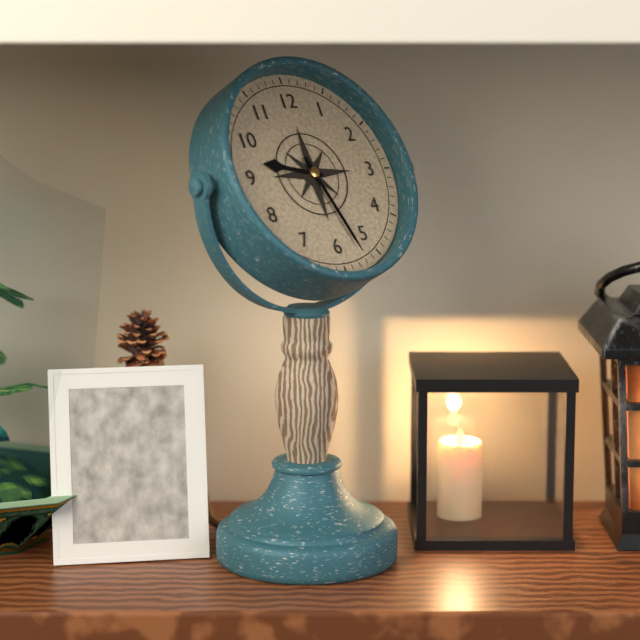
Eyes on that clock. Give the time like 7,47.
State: 9,27
